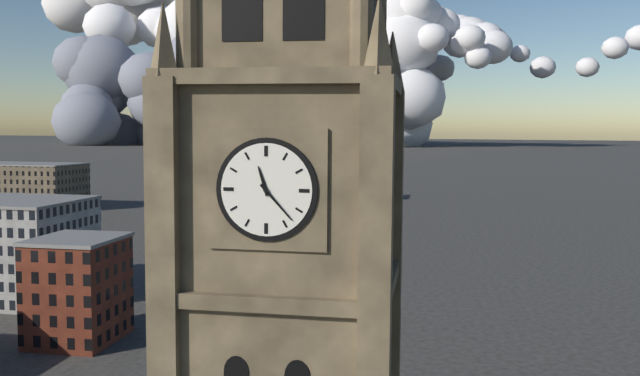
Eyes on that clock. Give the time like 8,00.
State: 11,23
